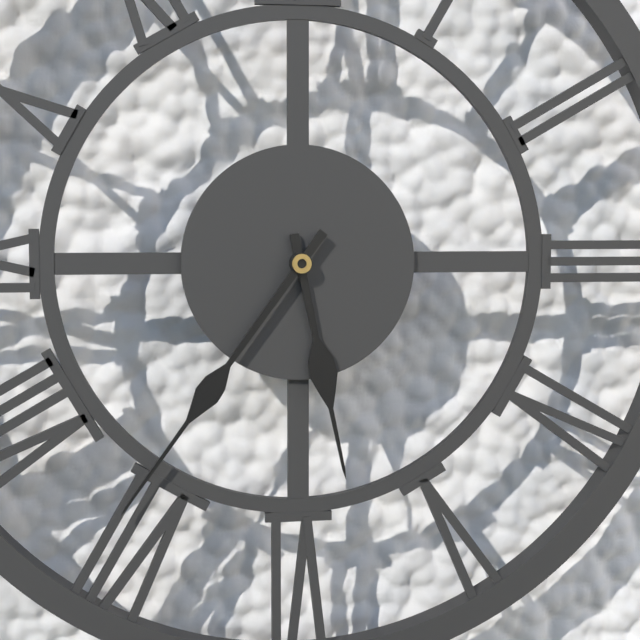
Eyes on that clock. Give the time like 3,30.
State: 5,36
